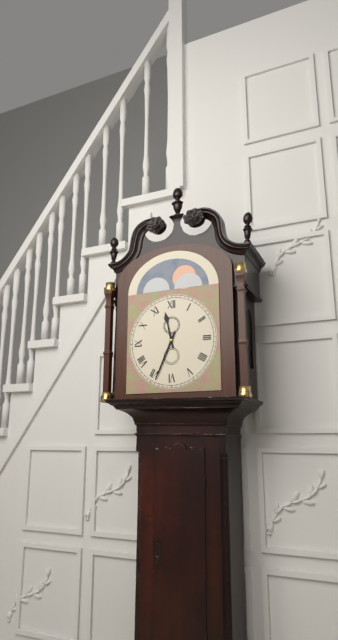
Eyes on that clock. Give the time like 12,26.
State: 11,34
